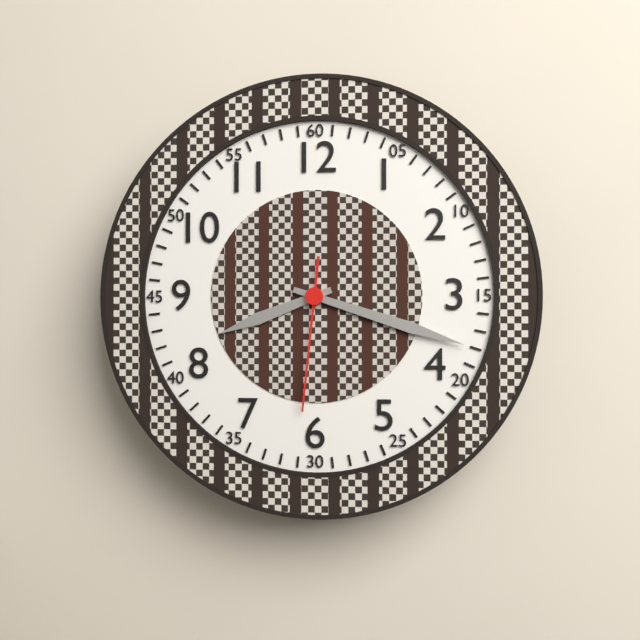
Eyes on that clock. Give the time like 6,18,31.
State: 8,18,31
